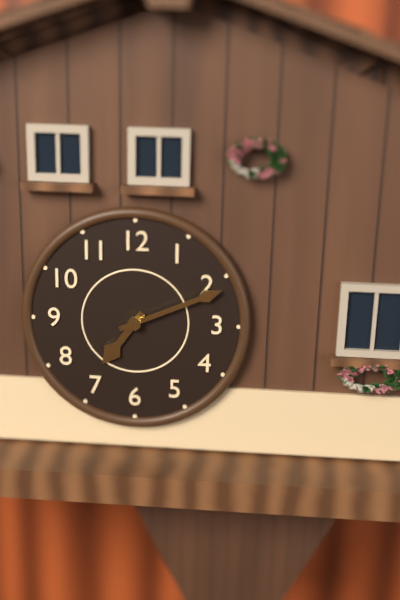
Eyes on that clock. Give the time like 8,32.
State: 7,11
